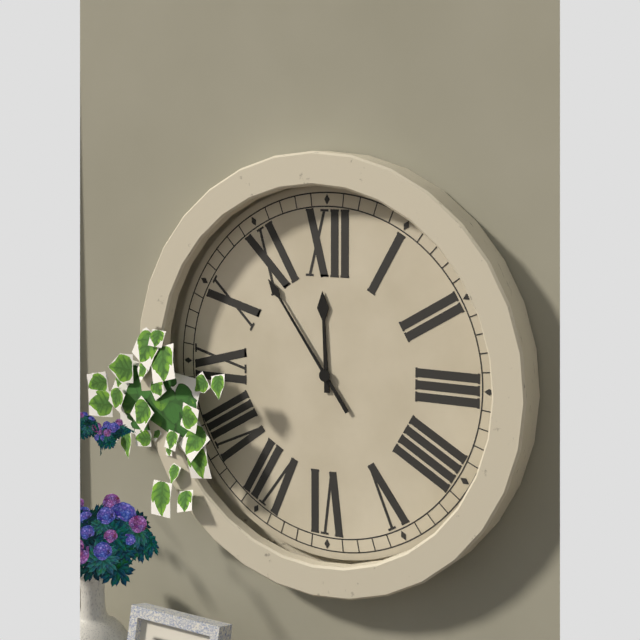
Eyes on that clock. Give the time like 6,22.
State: 11,54
